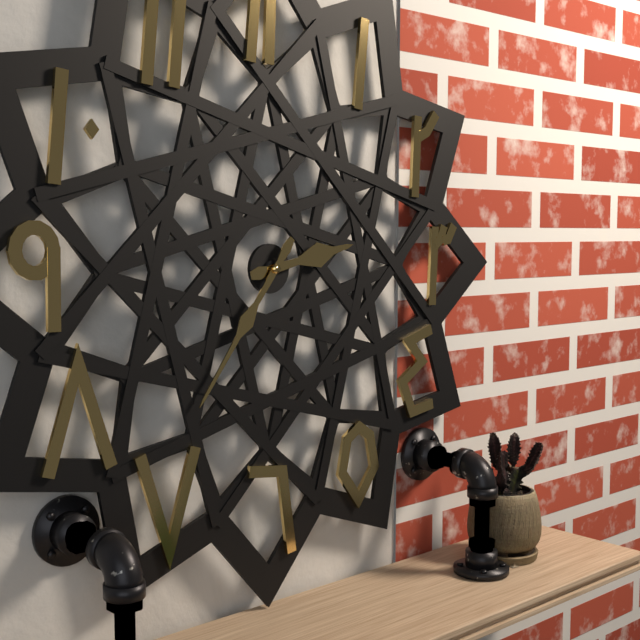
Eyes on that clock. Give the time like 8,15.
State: 2,36
